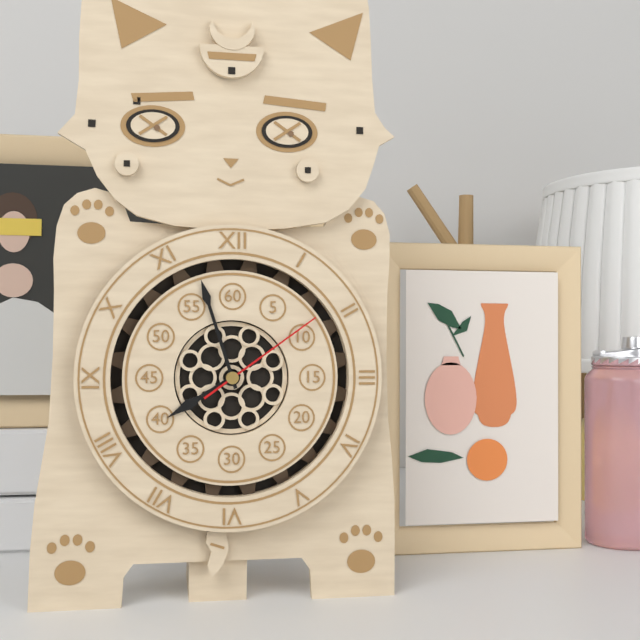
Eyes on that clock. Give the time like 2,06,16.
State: 7,57,09
